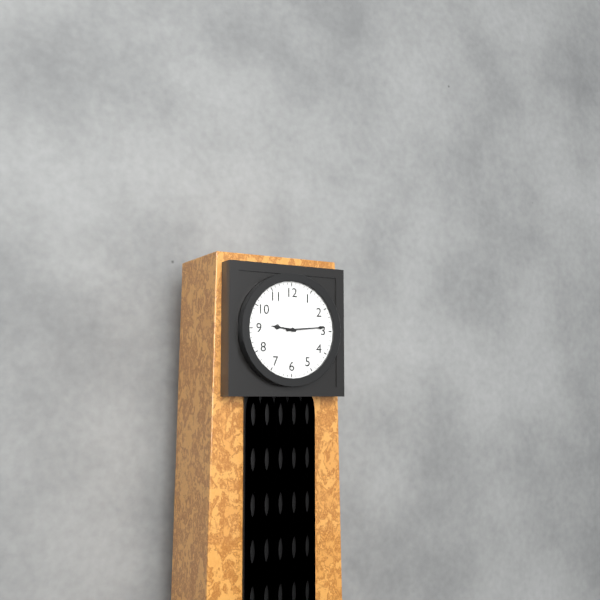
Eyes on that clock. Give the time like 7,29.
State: 9,14
